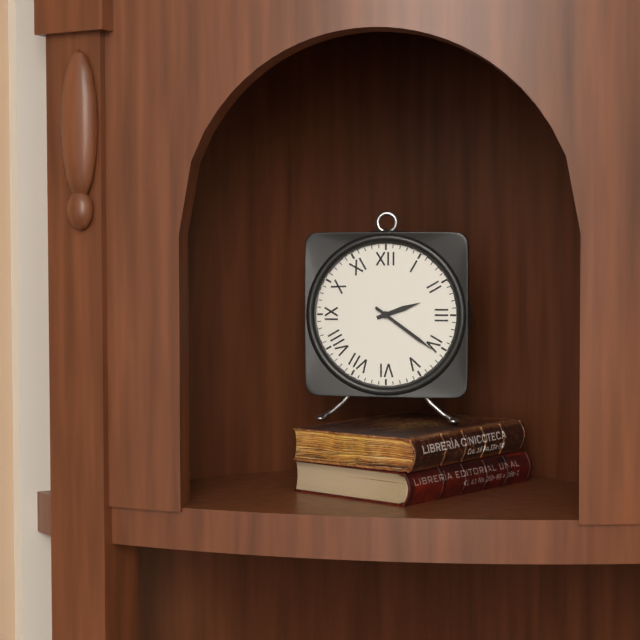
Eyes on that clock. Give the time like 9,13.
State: 2,21
